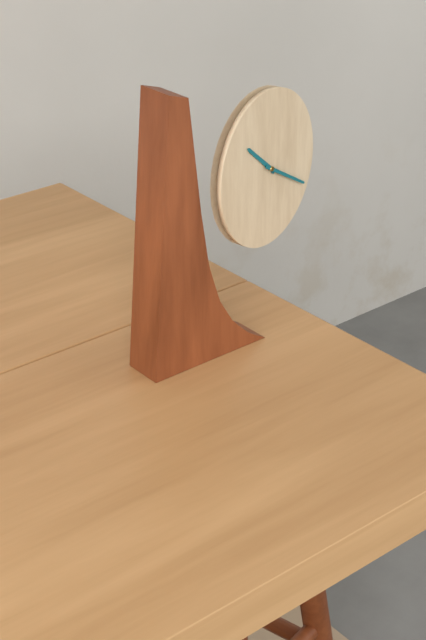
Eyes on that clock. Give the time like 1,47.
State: 10,20
